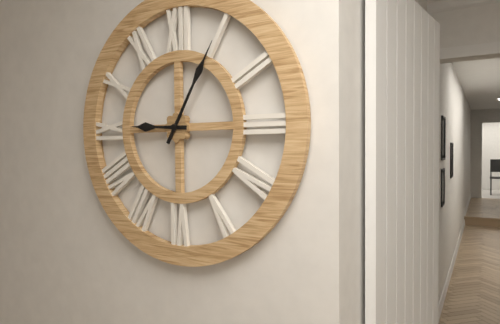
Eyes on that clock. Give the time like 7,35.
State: 9,05
